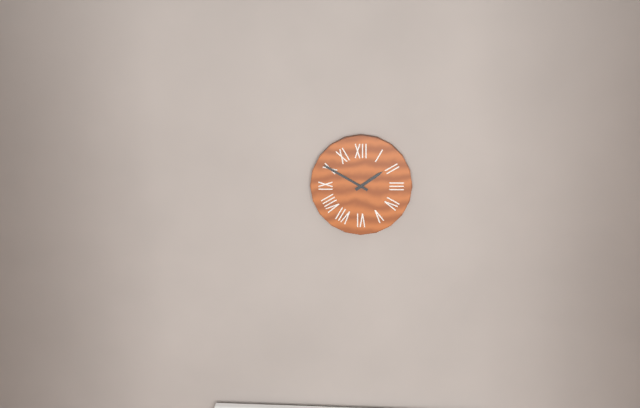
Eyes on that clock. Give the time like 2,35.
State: 1,50
